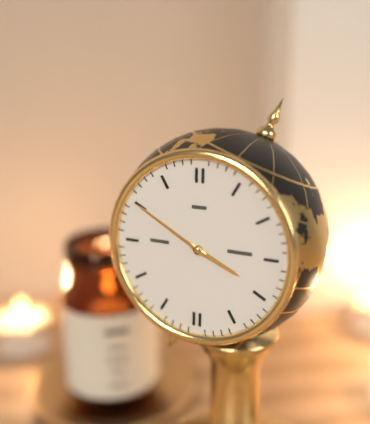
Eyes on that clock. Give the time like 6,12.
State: 3,50
